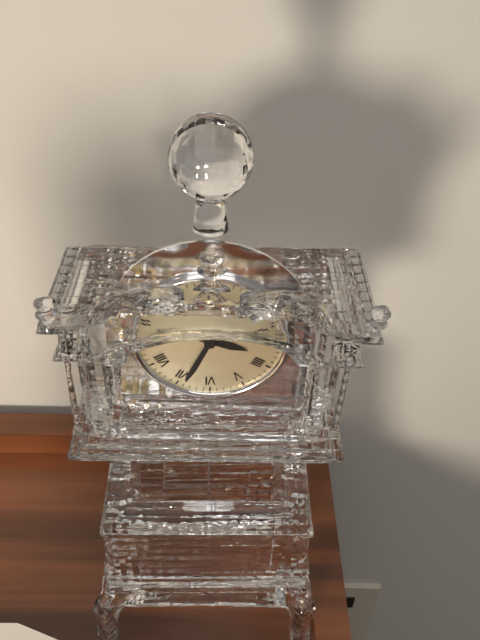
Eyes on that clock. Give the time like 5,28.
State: 3,34
